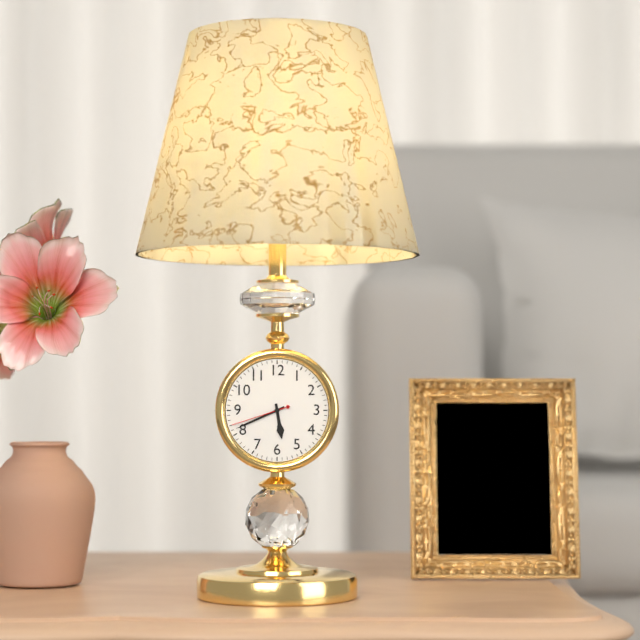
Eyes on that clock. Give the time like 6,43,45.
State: 5,41,42
